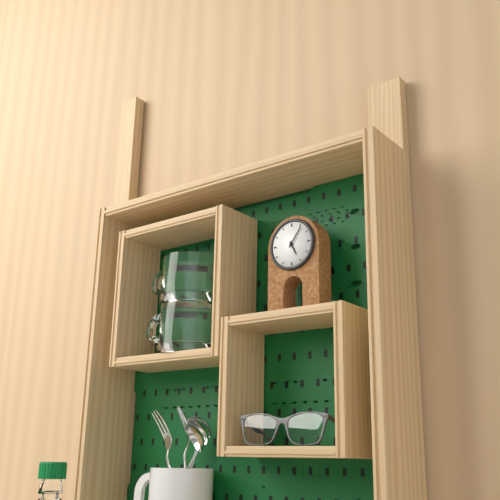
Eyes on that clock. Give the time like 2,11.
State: 5,06
